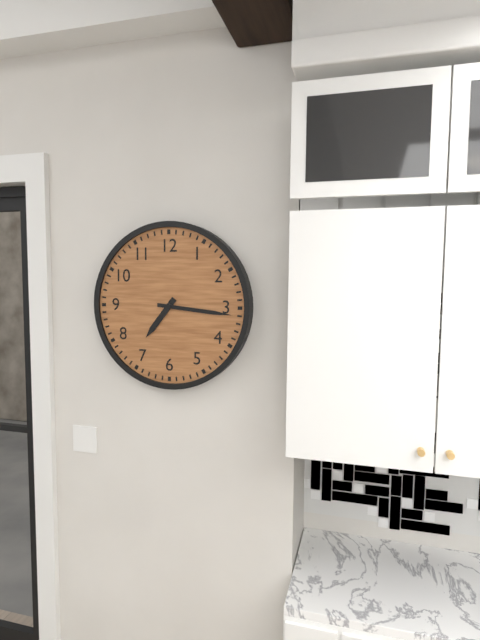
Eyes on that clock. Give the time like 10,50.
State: 7,16
